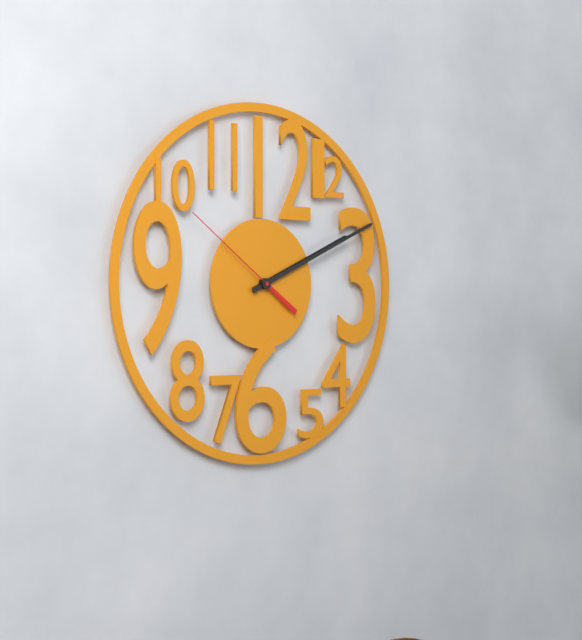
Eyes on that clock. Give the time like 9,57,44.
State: 2,11,51
